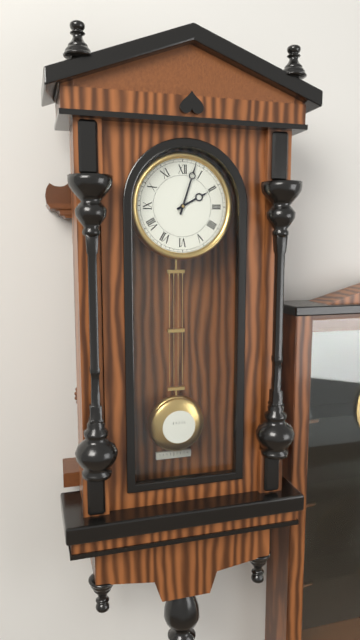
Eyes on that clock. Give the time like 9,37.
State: 2,03
